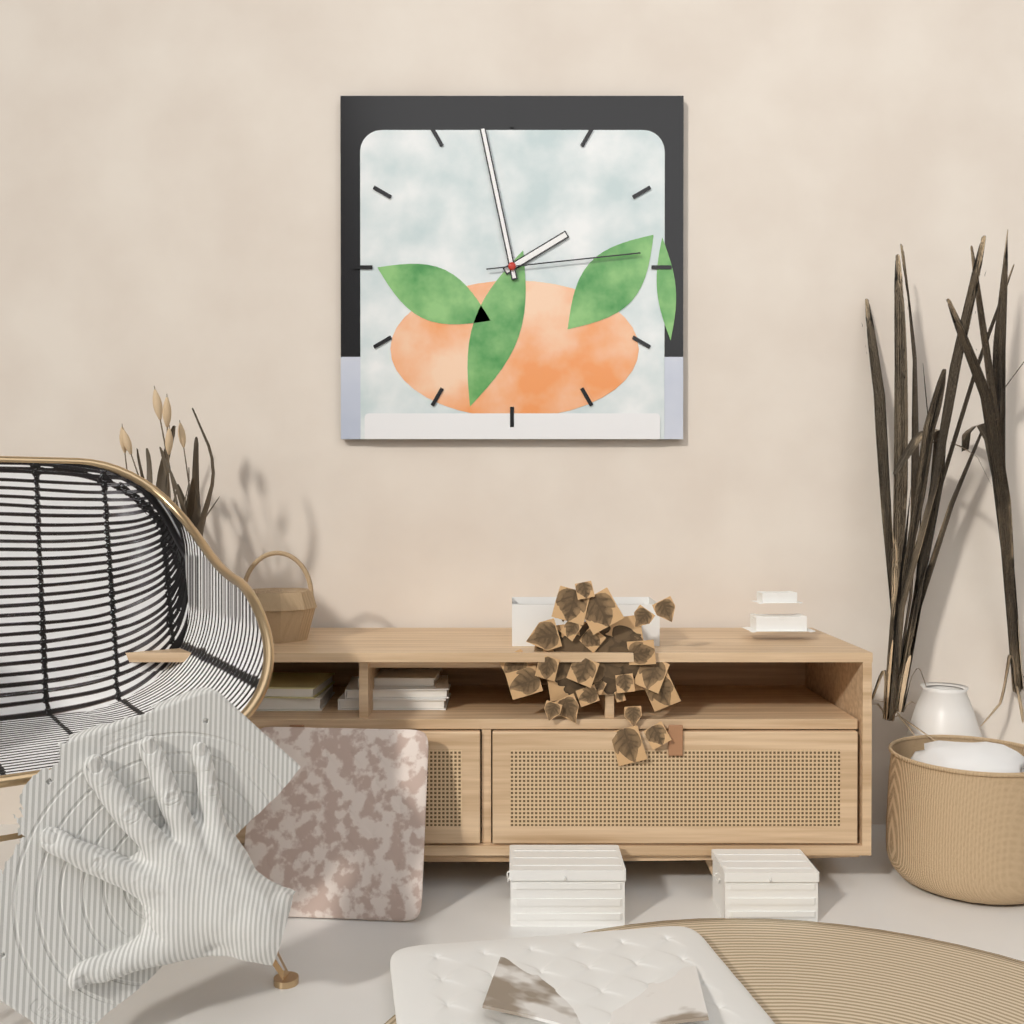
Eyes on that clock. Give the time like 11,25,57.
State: 1,58,14
